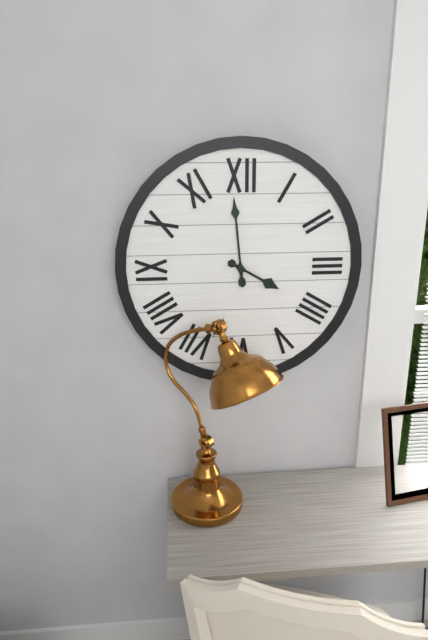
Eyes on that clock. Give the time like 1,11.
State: 3,59
